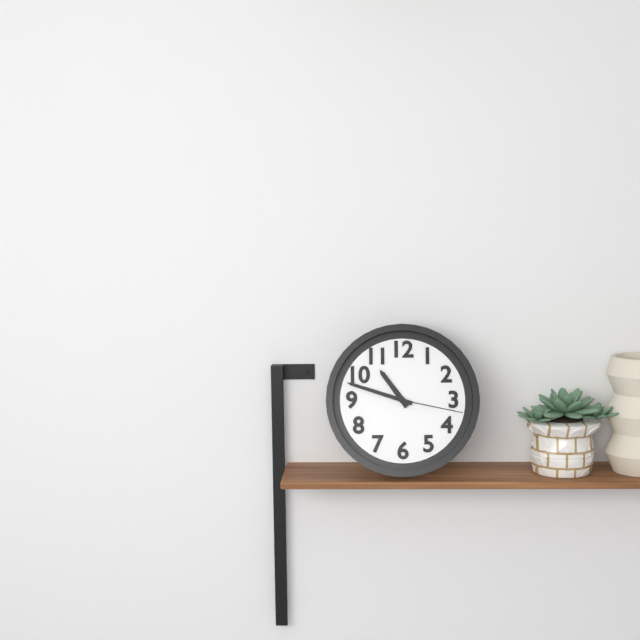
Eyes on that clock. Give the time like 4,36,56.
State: 10,48,17
